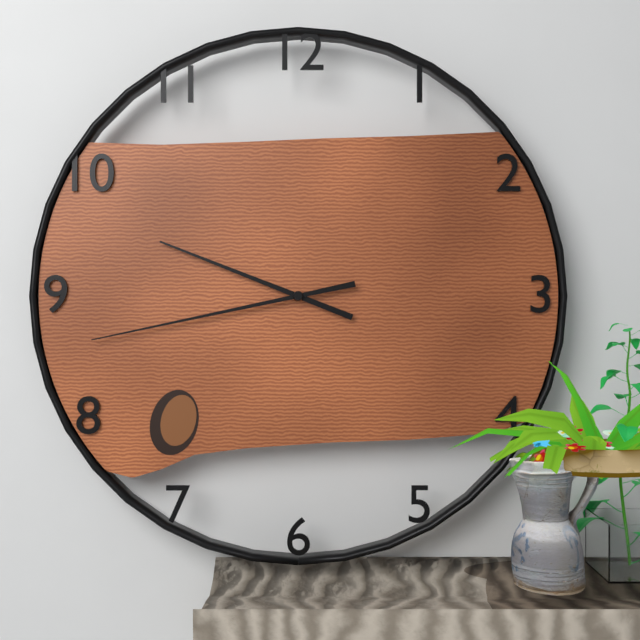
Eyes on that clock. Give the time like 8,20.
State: 9,43
